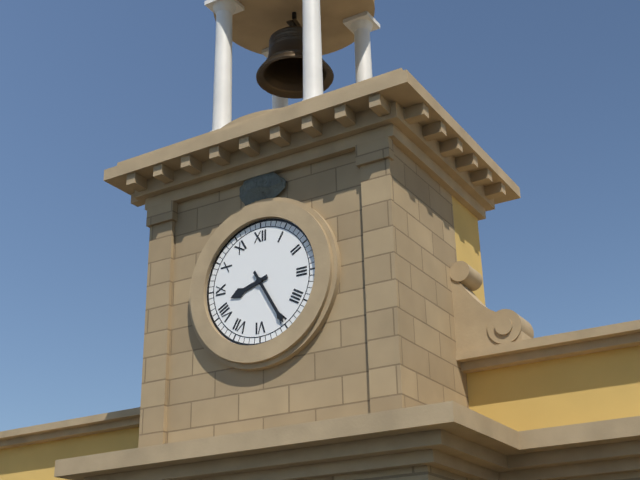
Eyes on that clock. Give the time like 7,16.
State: 8,25
